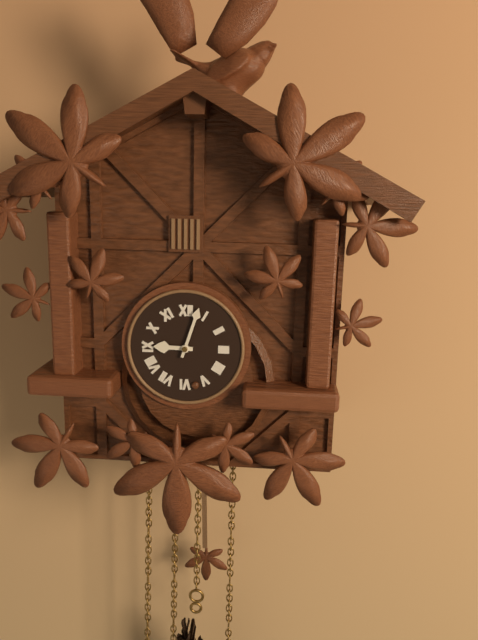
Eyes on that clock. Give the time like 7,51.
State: 9,03
